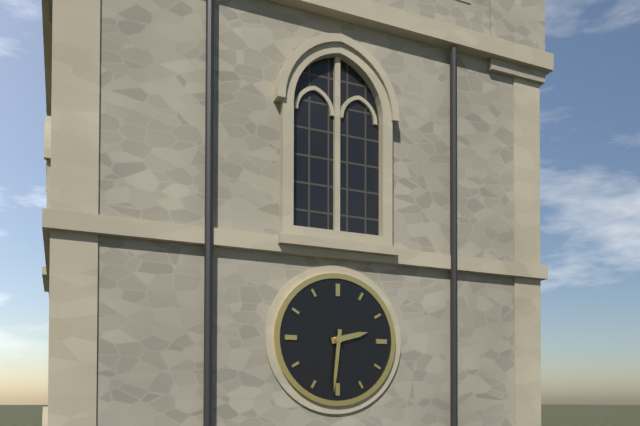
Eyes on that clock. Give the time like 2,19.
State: 2,31
